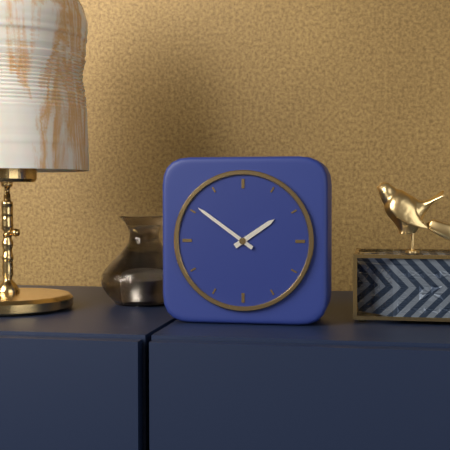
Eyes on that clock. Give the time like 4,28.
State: 1,51
